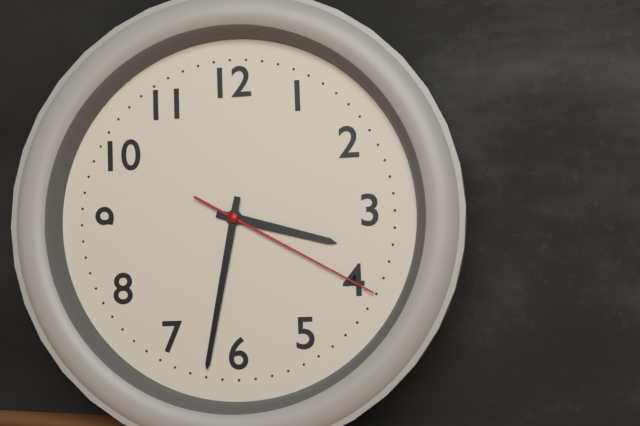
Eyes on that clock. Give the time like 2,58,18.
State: 3,32,20
